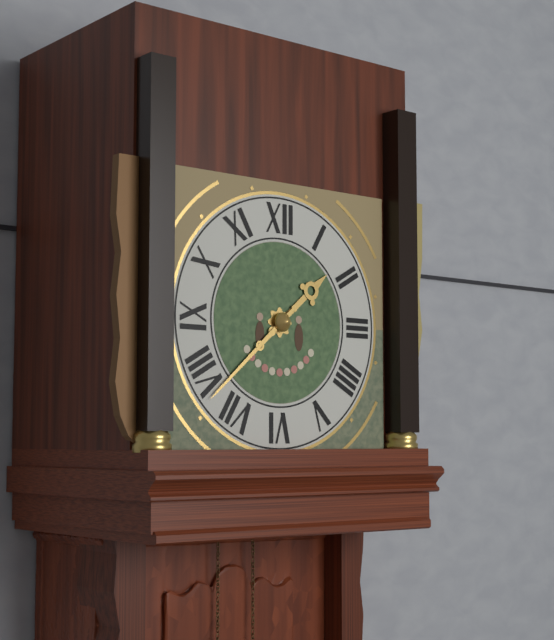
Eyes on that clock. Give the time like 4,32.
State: 1,38
